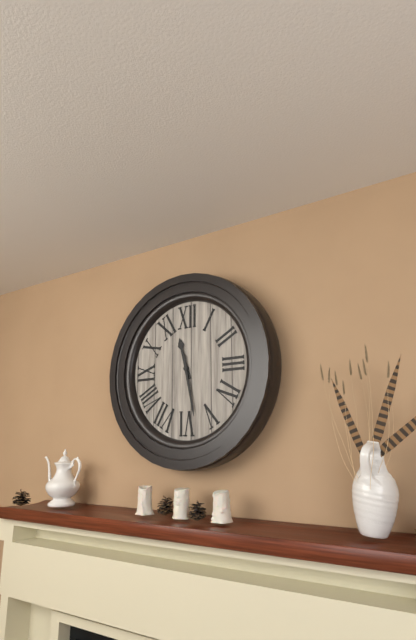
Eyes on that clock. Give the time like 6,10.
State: 11,28
